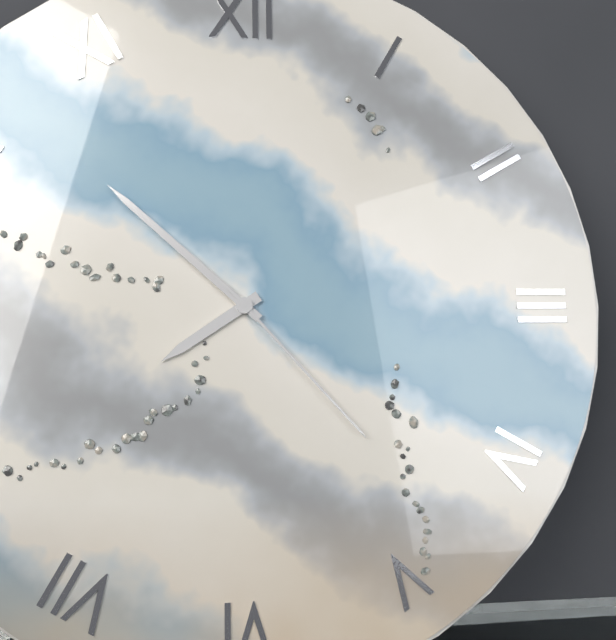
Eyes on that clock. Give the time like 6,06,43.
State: 7,52,23
